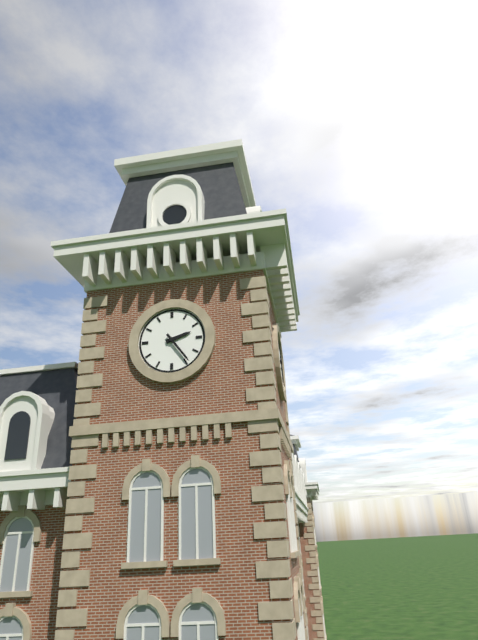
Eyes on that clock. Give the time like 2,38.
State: 2,24
